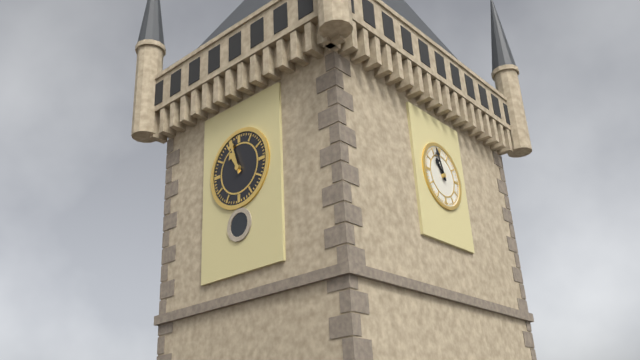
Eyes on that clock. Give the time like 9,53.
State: 10,57
